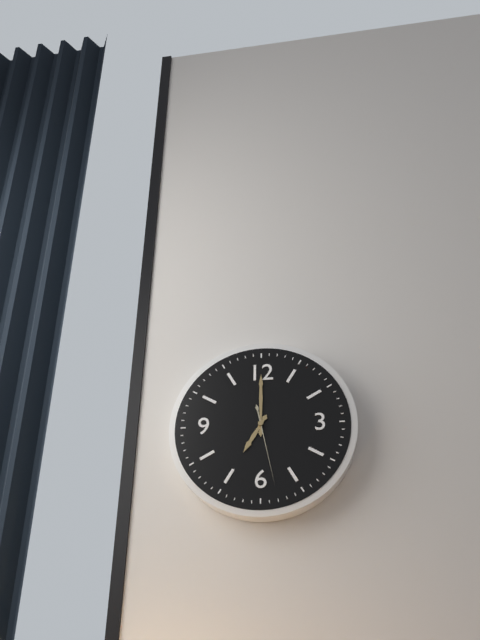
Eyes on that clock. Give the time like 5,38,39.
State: 7,00,28
